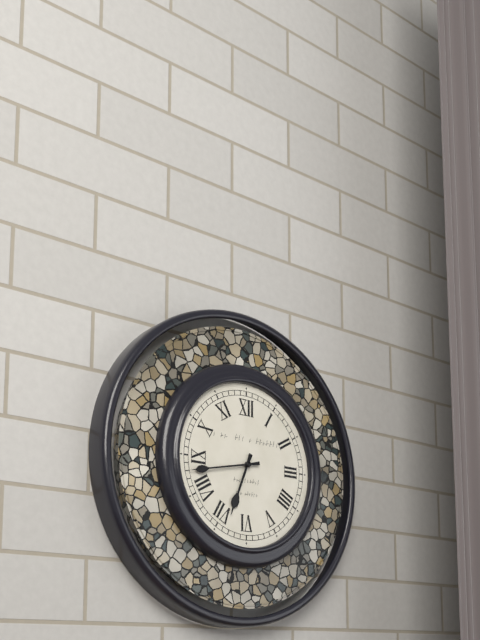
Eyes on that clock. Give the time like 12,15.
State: 6,43
